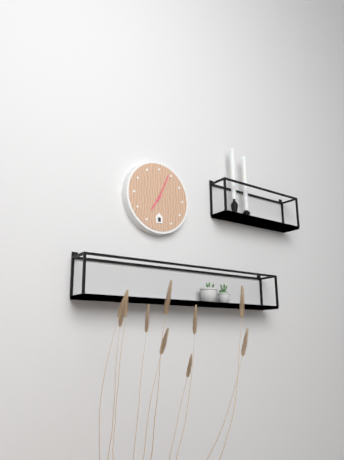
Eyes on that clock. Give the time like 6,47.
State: 7,04
